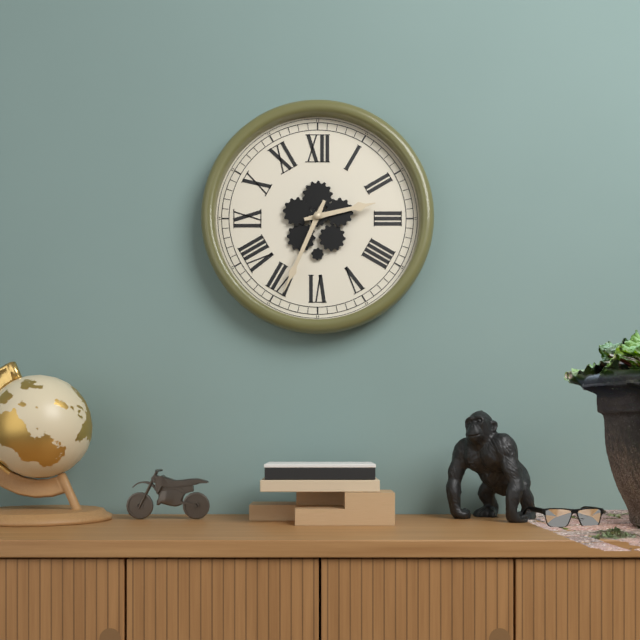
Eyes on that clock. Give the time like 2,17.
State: 2,34
